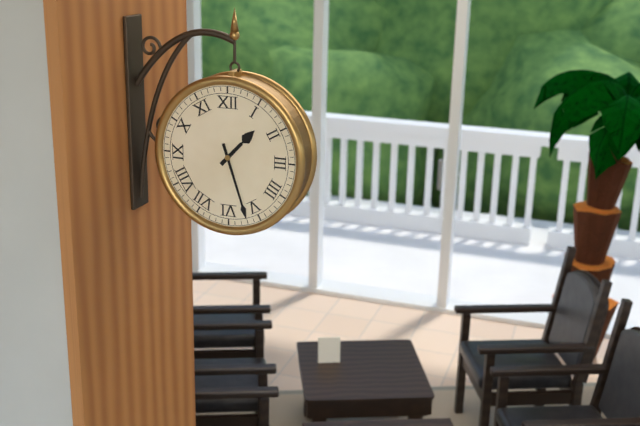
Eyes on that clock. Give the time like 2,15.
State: 1,27
